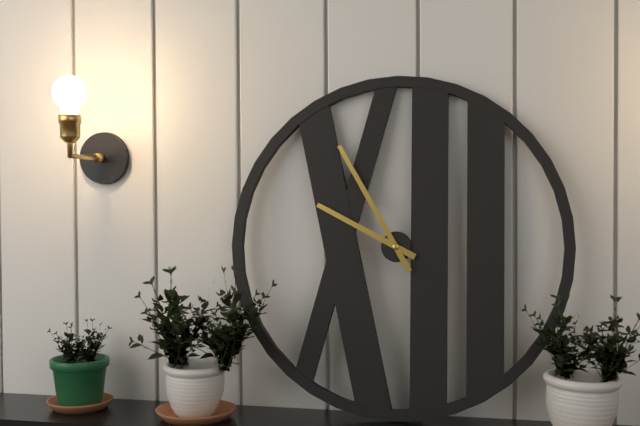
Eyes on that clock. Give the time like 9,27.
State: 9,55
